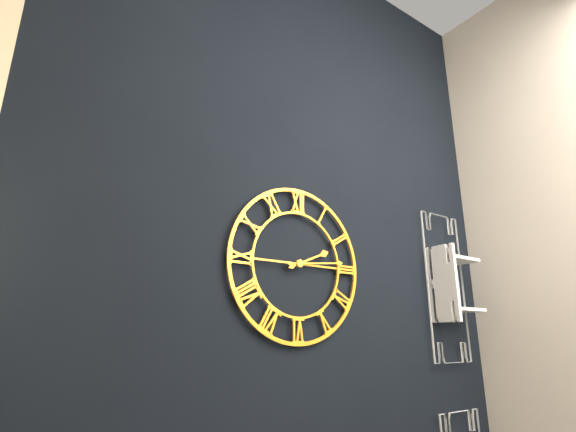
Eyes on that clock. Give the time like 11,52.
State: 2,14
